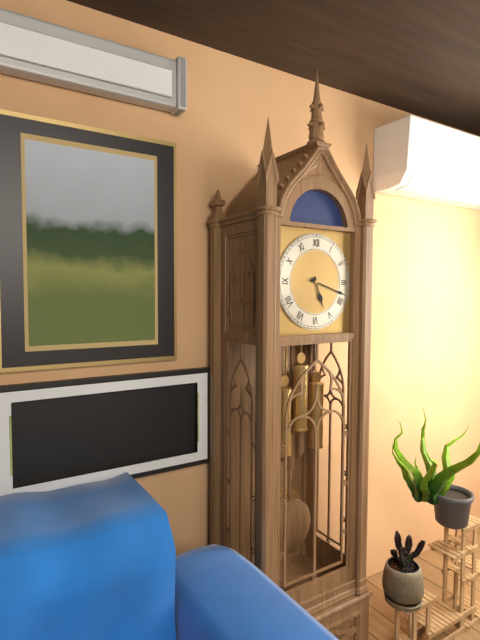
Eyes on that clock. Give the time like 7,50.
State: 5,18
